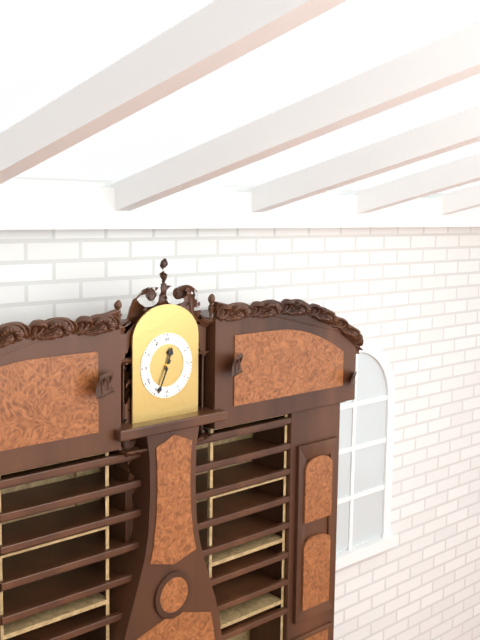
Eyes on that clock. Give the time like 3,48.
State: 12,34
